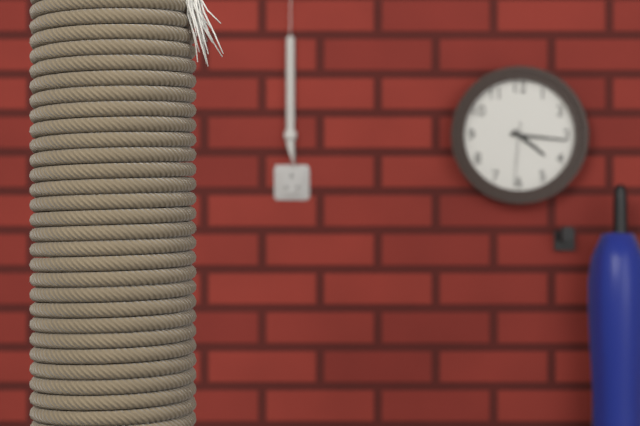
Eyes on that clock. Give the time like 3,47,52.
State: 4,16,31
